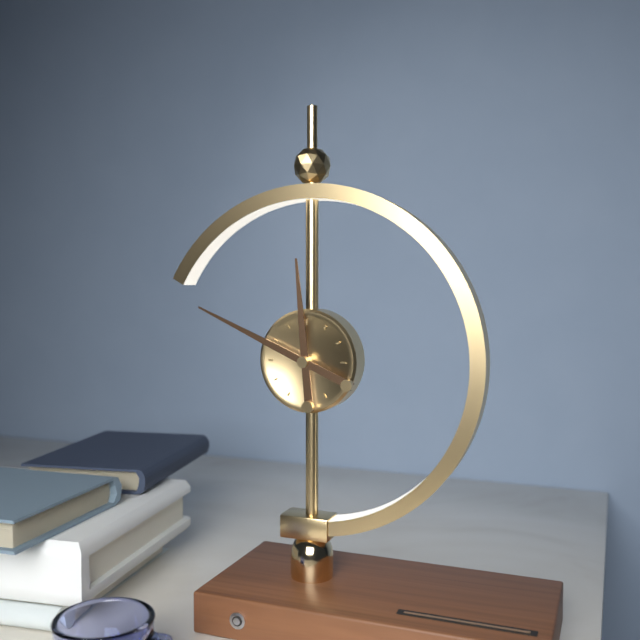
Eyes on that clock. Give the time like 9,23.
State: 11,49
